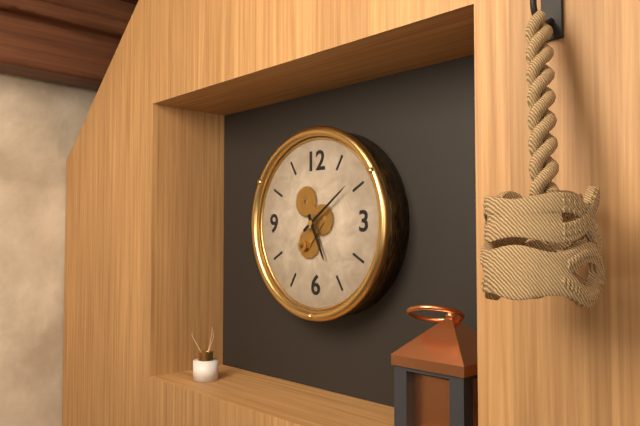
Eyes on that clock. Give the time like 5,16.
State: 5,09
